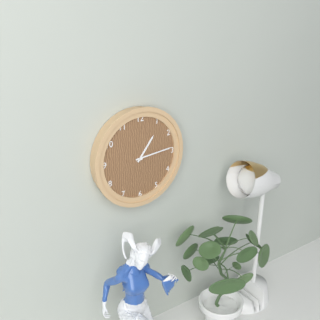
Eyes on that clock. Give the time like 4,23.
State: 1,14
